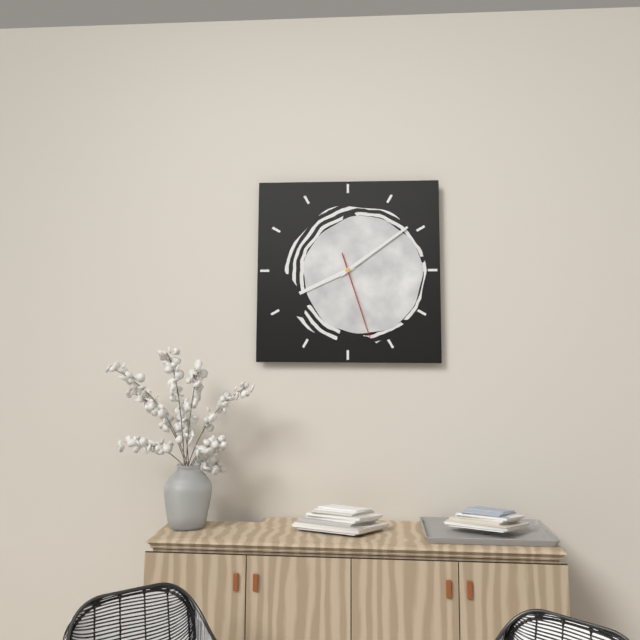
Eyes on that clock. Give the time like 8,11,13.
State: 8,09,27
